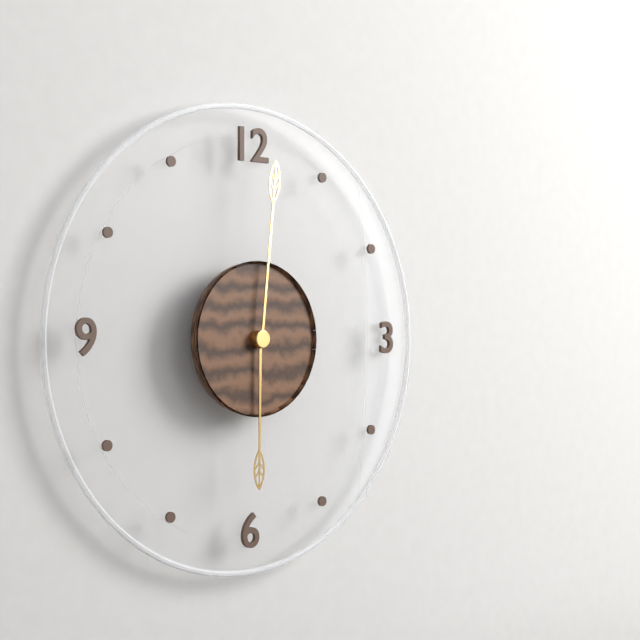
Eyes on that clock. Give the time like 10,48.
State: 6,01
